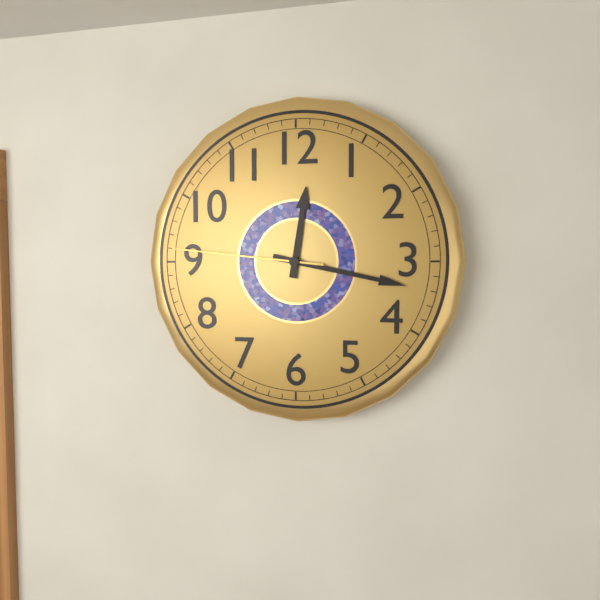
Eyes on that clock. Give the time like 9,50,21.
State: 12,17,46
